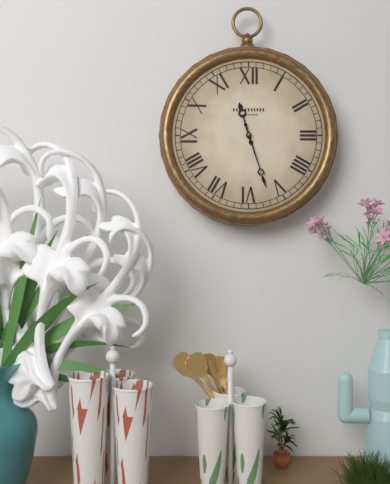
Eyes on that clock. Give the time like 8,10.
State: 11,27
